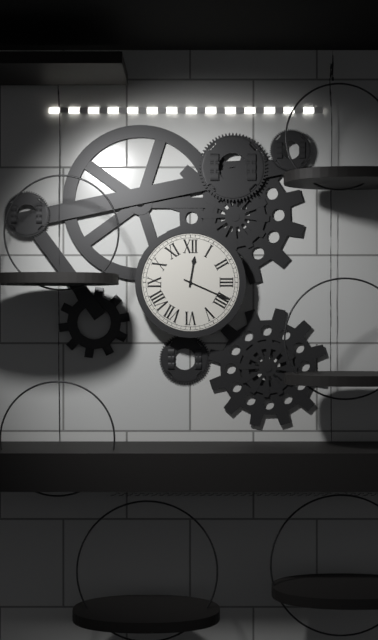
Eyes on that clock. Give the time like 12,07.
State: 12,19
